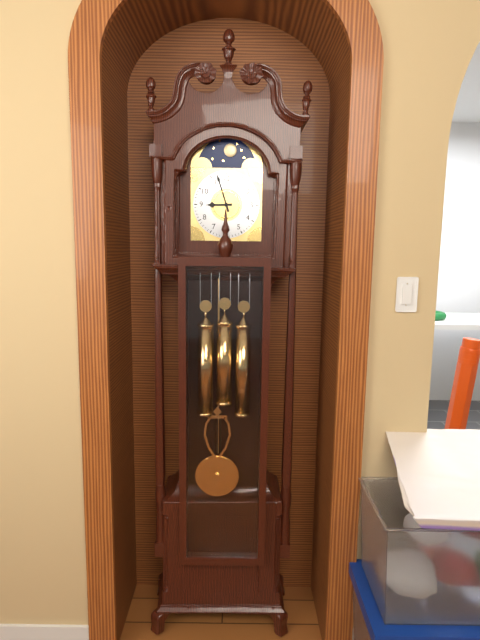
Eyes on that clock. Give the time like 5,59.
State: 8,57
